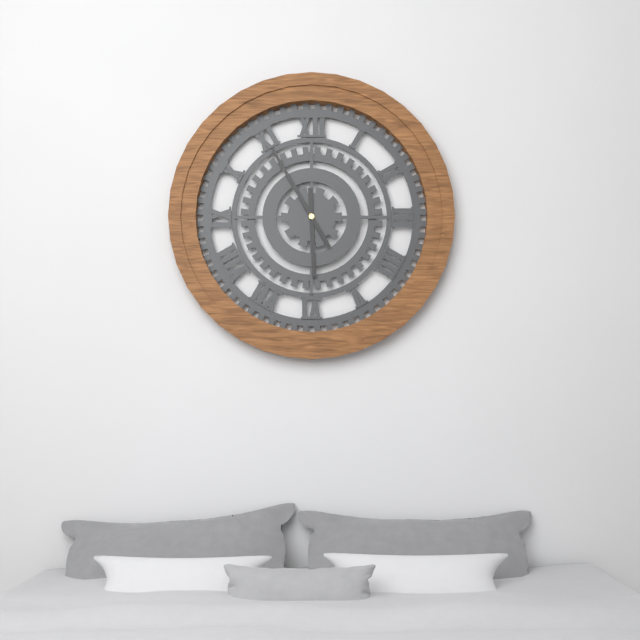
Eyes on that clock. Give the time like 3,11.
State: 5,55
